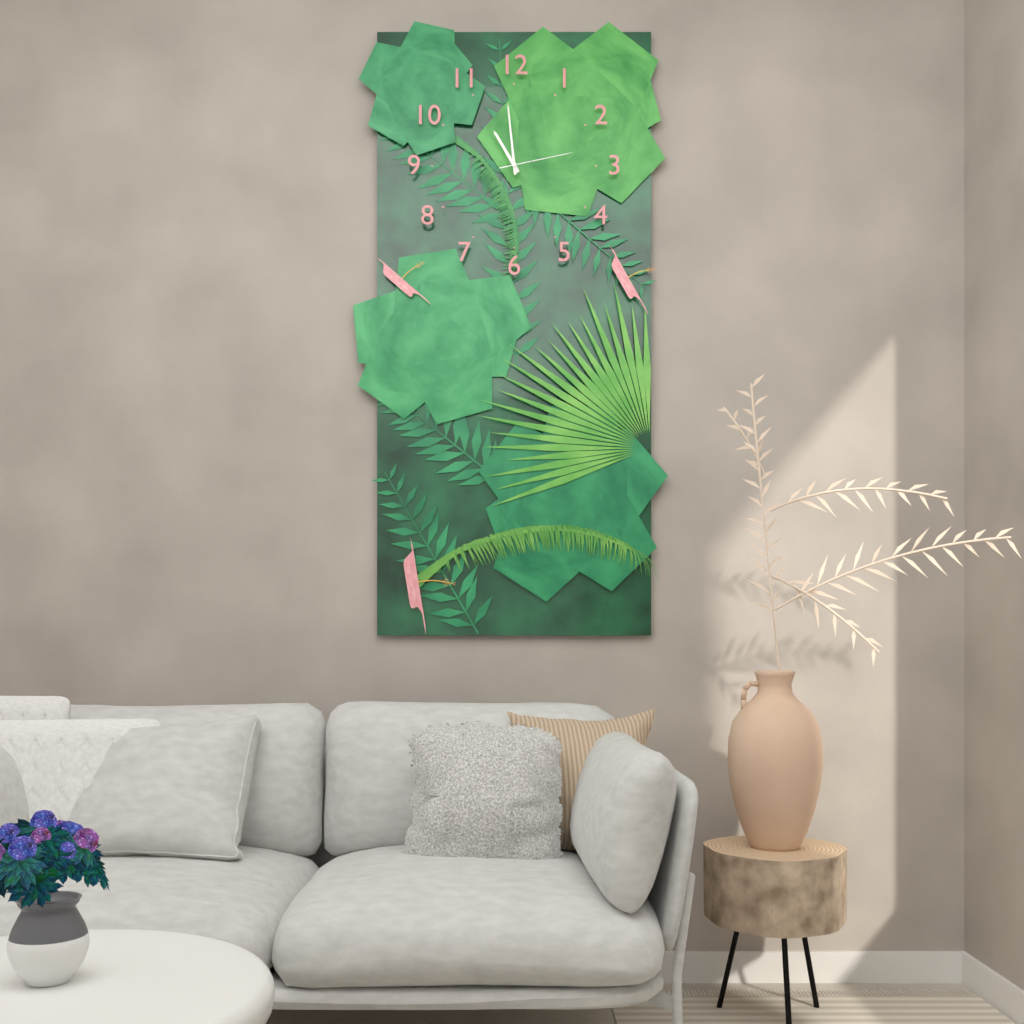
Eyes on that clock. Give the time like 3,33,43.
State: 10,59,13
